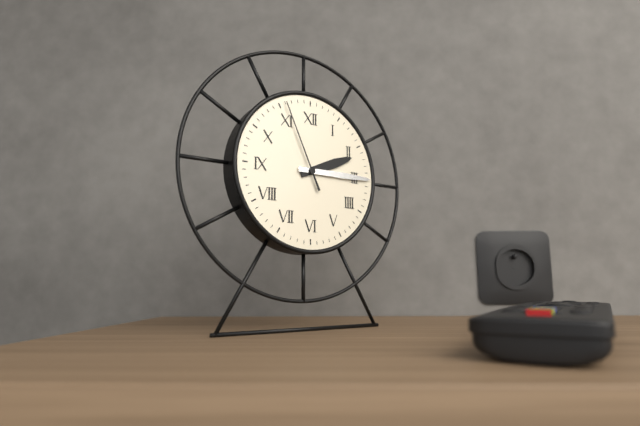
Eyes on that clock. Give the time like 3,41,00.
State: 2,15,56
